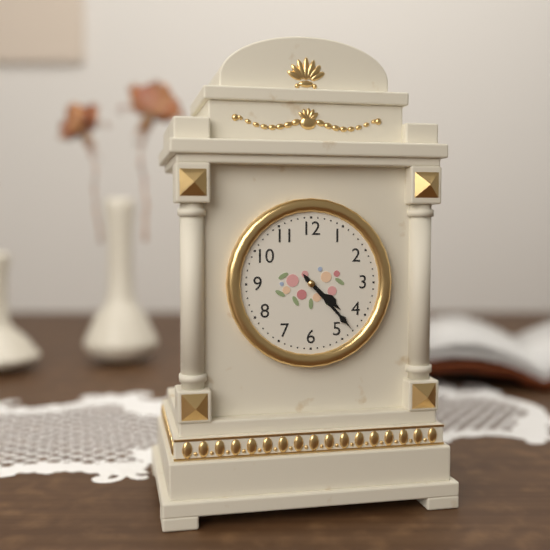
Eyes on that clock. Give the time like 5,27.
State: 4,23
